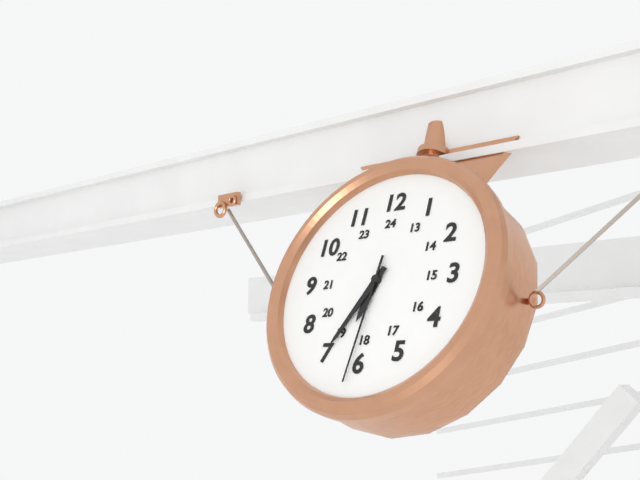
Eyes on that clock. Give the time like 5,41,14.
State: 6,35,31
